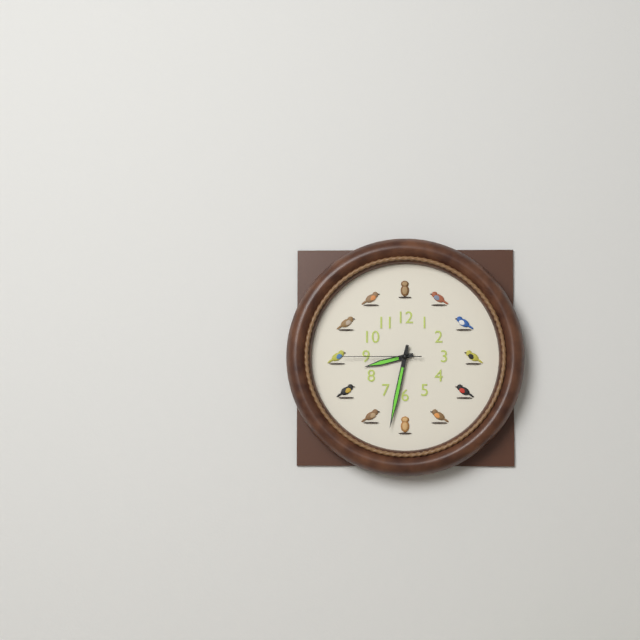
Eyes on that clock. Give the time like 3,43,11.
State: 8,32,45
